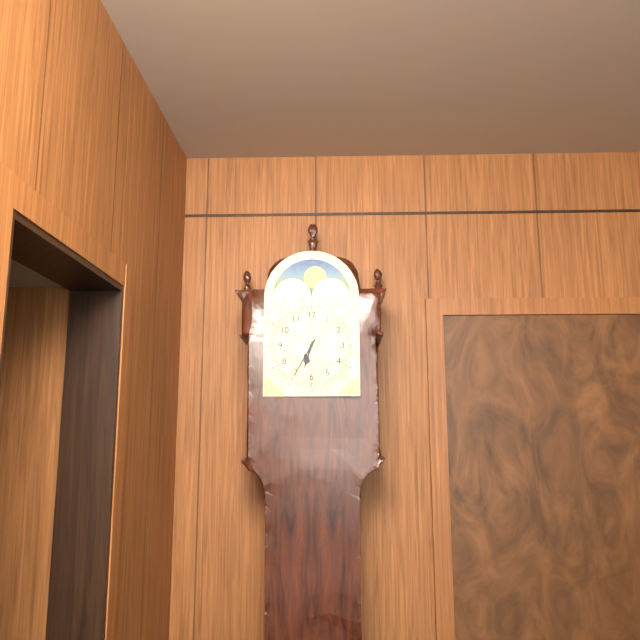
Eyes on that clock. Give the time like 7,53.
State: 6,35
